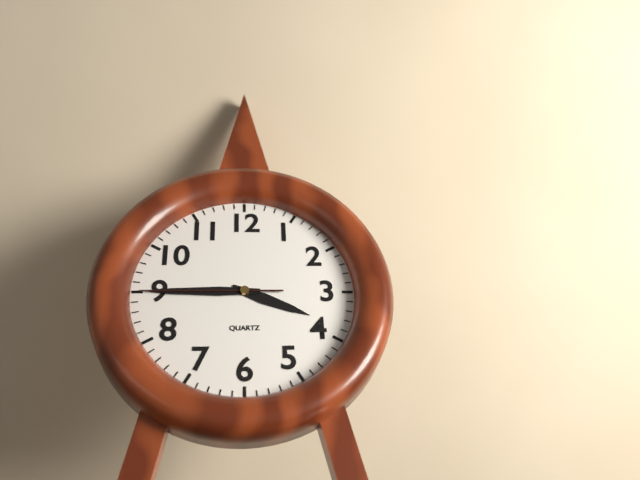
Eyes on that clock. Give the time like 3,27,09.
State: 3,45,45
